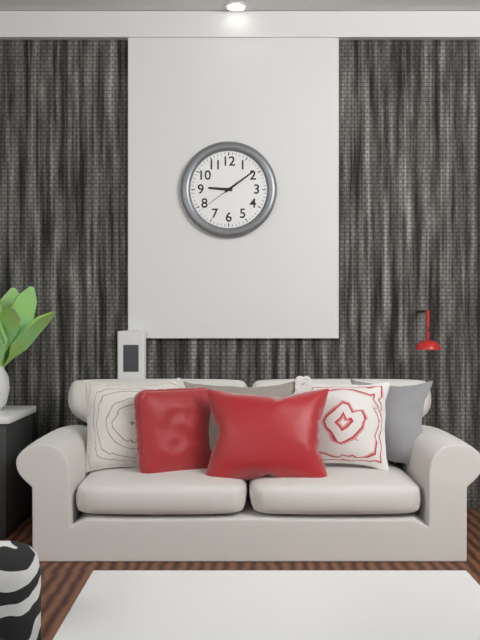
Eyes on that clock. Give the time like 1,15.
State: 9,09
